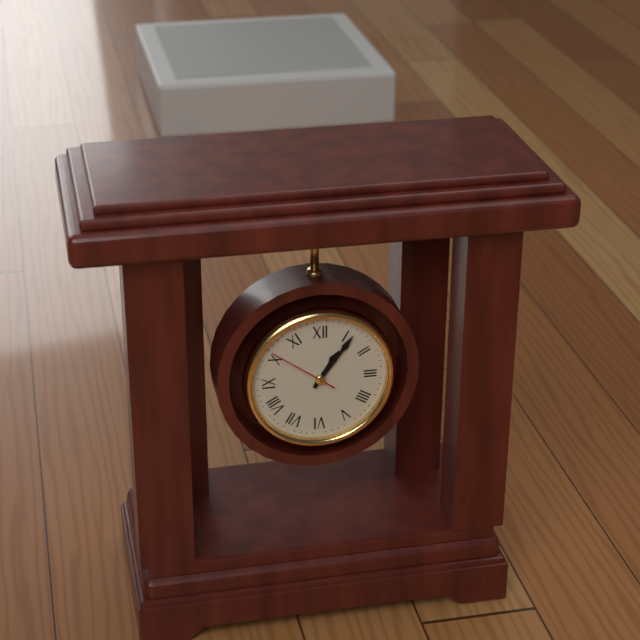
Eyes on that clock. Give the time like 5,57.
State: 1,06
